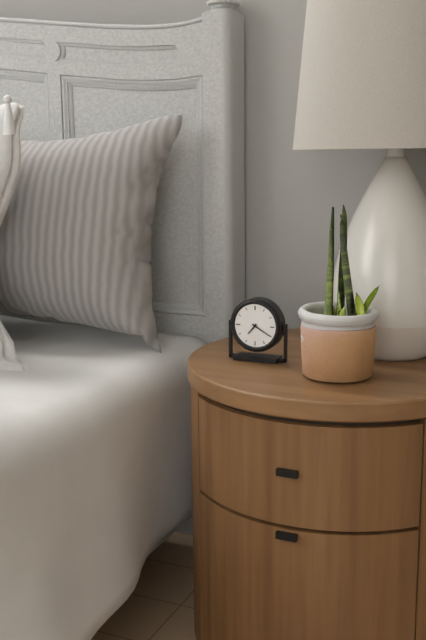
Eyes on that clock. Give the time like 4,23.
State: 7,20
